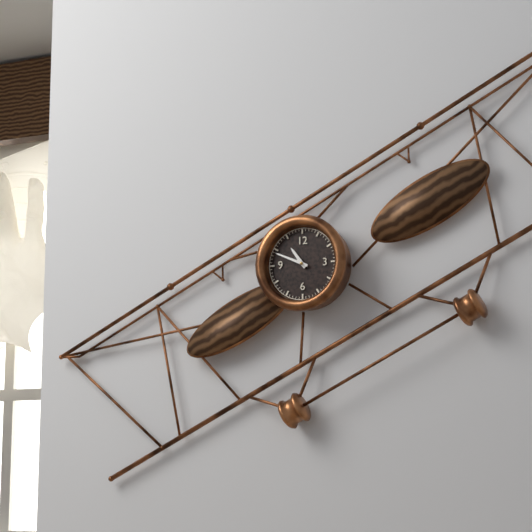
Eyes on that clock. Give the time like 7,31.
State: 10,49
